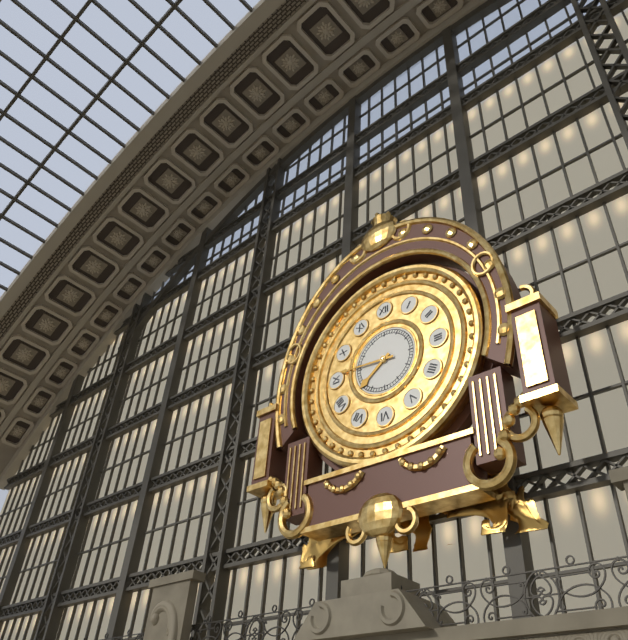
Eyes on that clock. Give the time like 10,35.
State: 7,46
